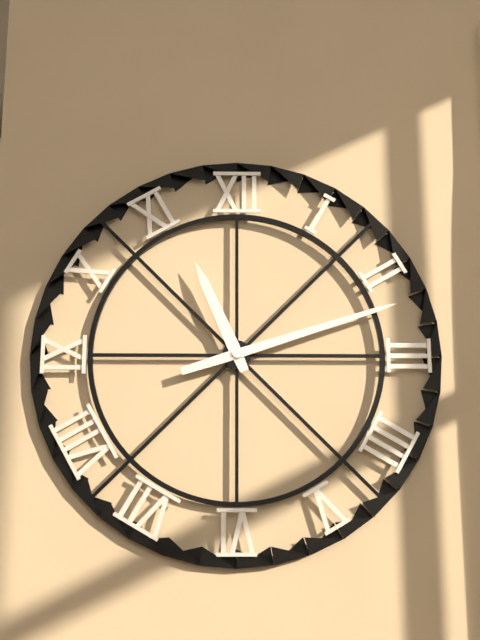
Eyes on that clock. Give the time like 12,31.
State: 11,12
